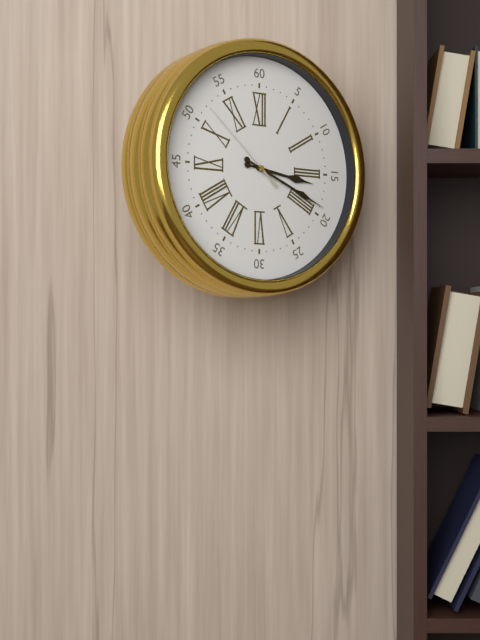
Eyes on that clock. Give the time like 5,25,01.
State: 3,19,52
